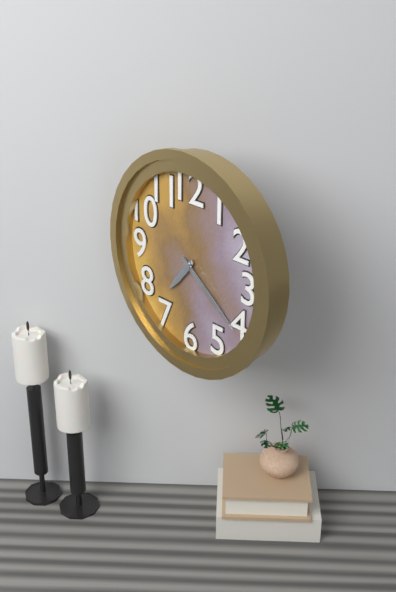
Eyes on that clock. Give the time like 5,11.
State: 7,21
